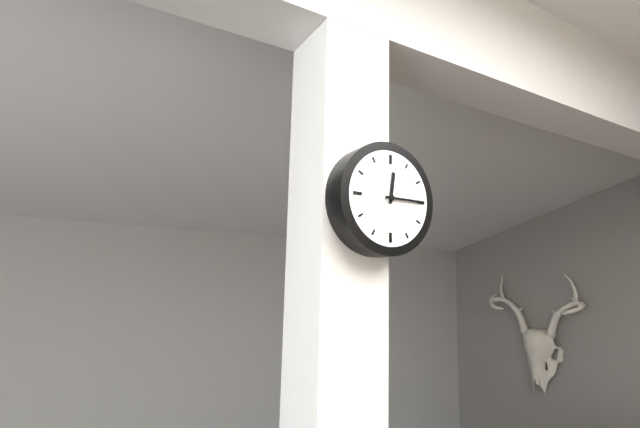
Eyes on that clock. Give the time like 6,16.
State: 12,15
